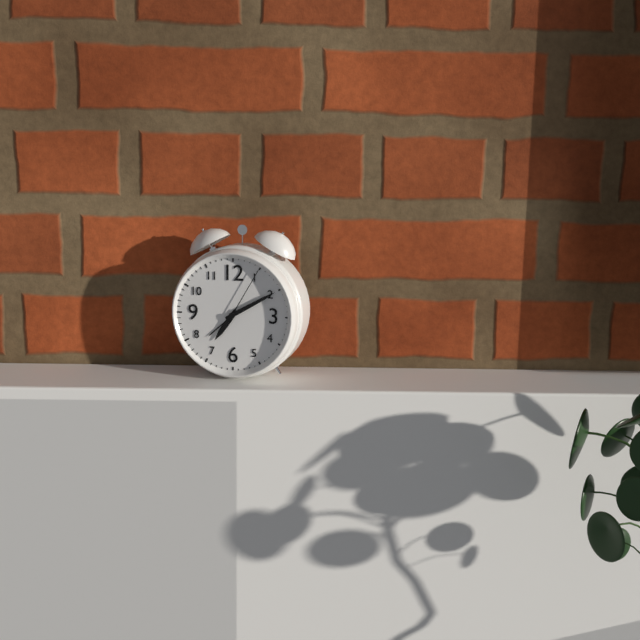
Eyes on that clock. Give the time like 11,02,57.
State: 7,10,05
